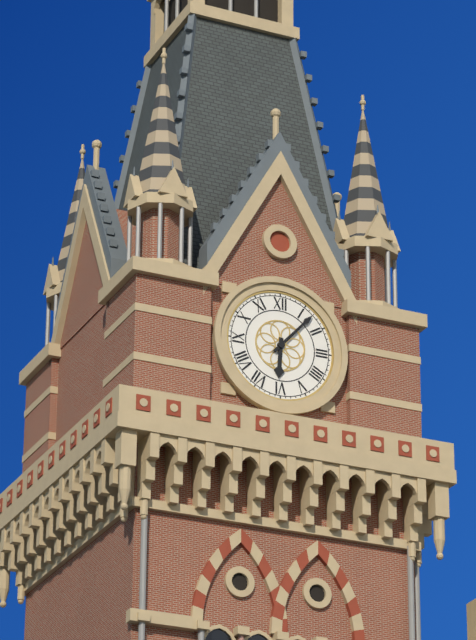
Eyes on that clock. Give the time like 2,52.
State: 6,07
